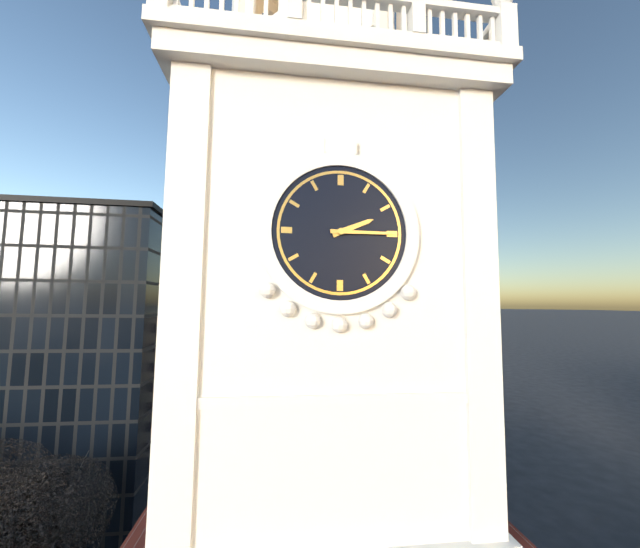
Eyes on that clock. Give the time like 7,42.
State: 2,15
